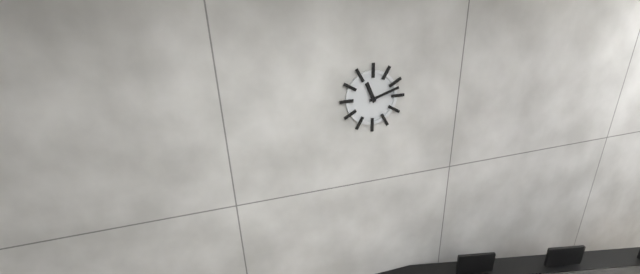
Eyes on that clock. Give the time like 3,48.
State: 11,12
